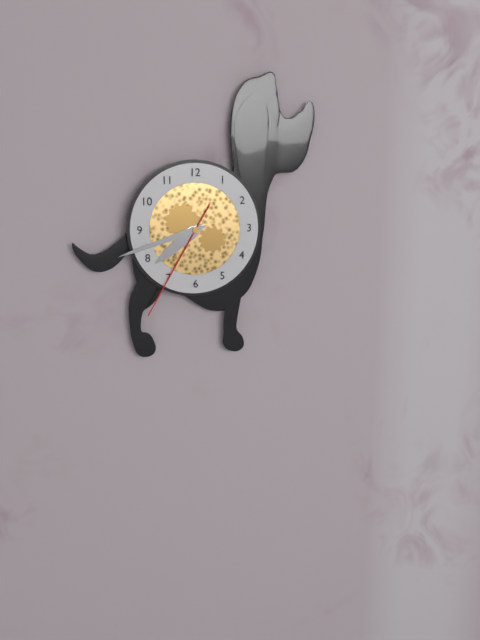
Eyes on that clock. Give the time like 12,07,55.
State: 7,42,35
